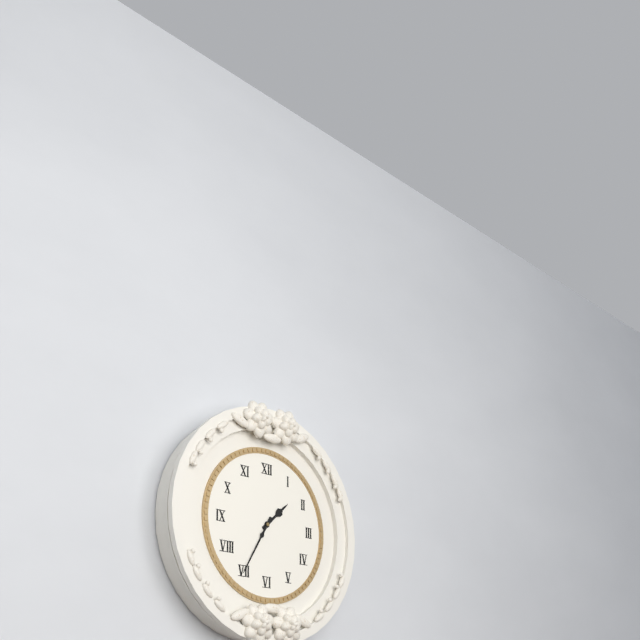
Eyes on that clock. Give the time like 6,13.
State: 1,35
